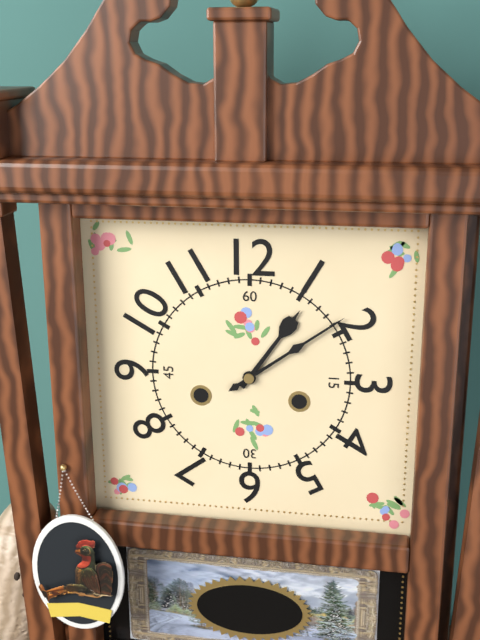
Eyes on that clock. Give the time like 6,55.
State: 1,09
